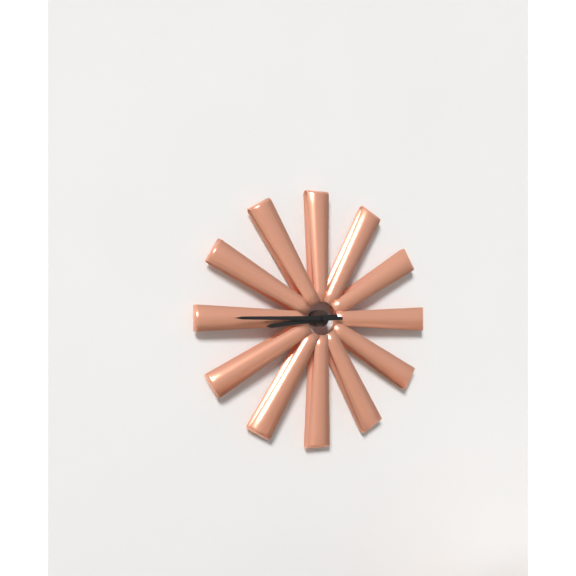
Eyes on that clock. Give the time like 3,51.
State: 8,45
